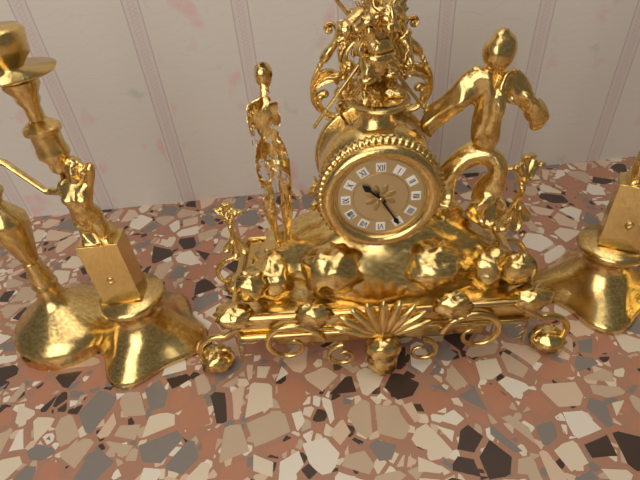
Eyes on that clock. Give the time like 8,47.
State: 10,25
